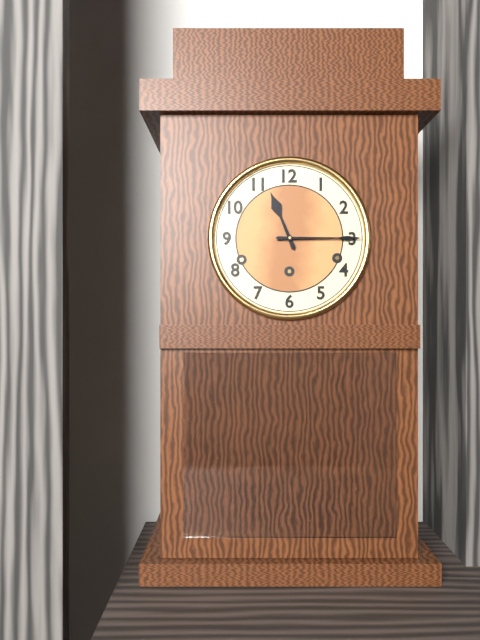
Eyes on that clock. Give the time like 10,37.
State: 11,15
